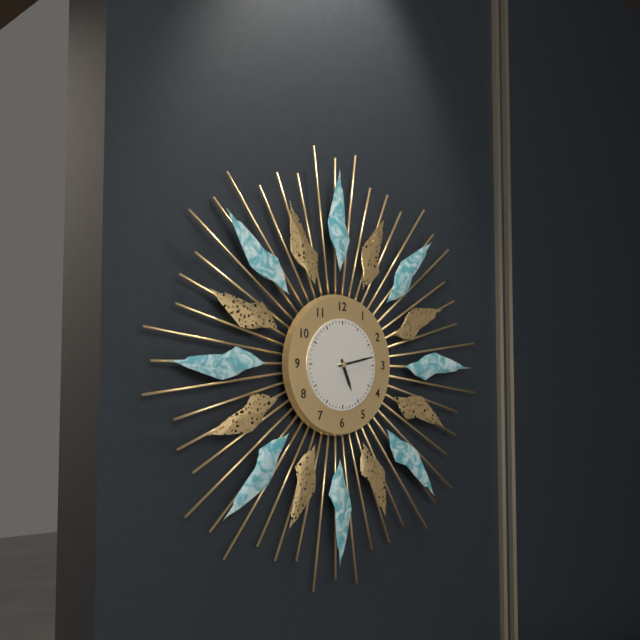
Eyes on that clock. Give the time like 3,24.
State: 5,13
